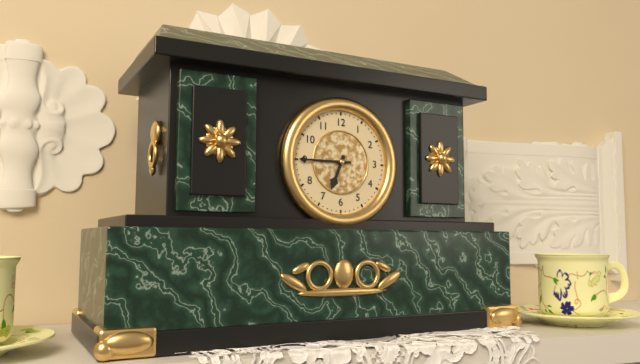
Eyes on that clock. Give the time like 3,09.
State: 6,45
